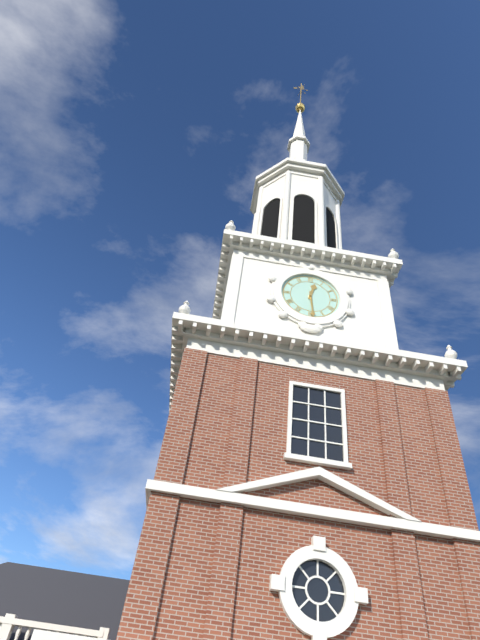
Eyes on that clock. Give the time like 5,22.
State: 12,29
